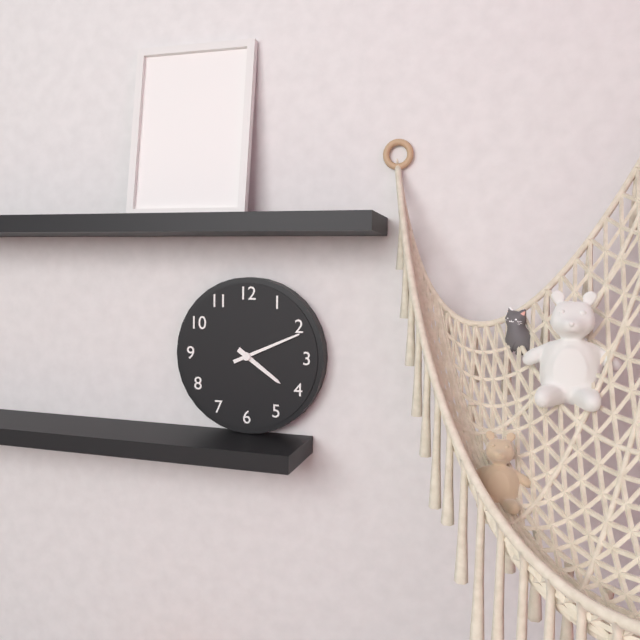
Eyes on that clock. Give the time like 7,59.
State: 4,11
